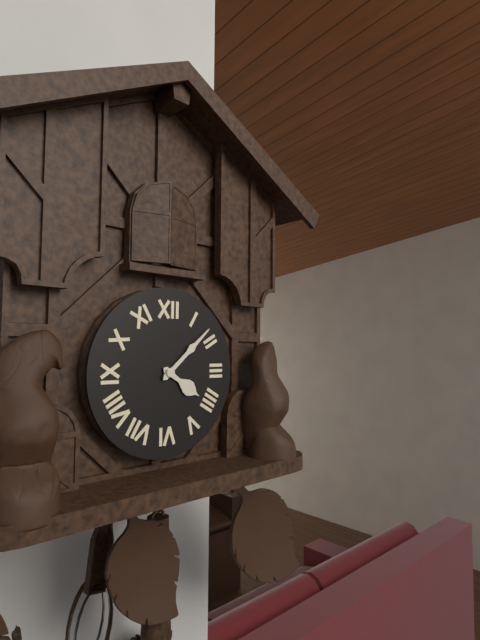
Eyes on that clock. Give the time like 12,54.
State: 4,08
